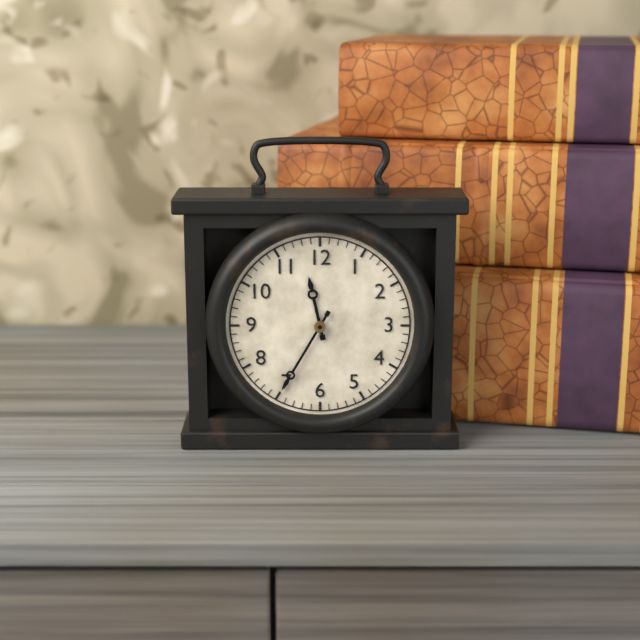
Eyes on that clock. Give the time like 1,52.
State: 11,35
